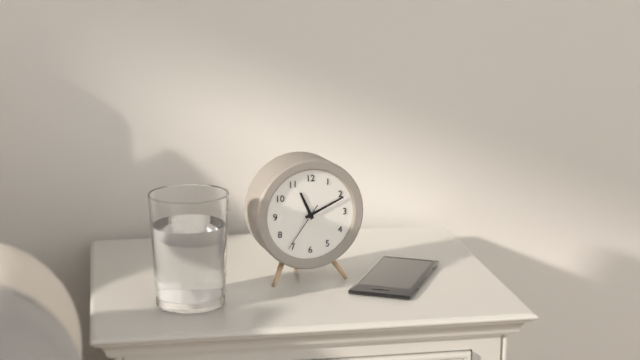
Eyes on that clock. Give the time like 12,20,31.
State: 11,11,36
